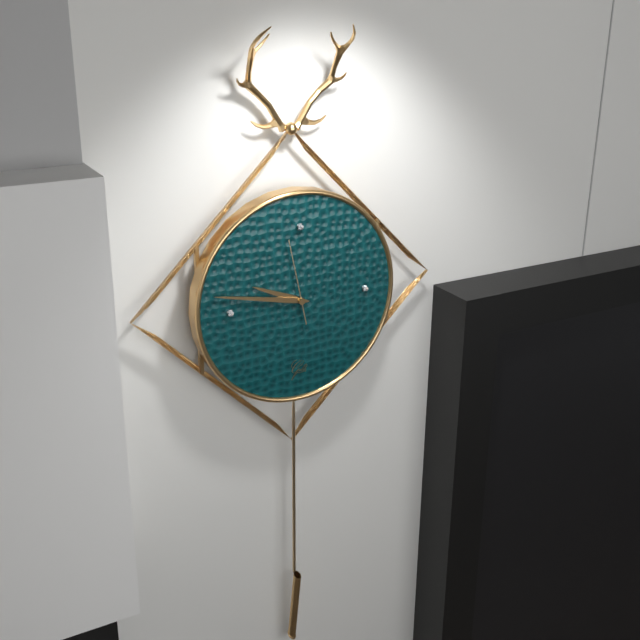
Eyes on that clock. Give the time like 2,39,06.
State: 9,47,58
